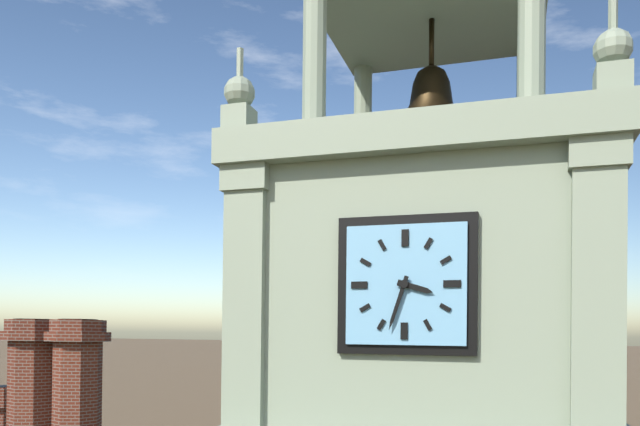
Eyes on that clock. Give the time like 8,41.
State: 3,33
